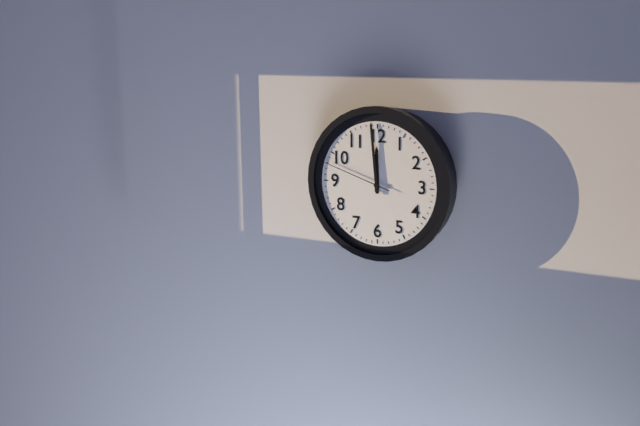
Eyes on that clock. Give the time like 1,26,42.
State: 11,59,48
